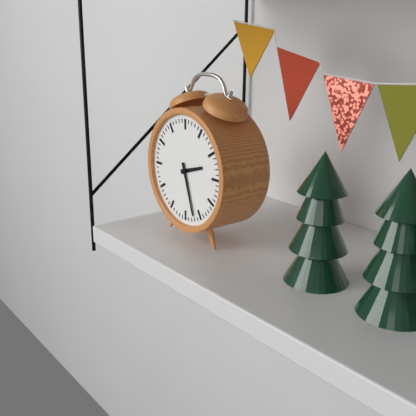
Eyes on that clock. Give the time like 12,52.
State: 2,27
